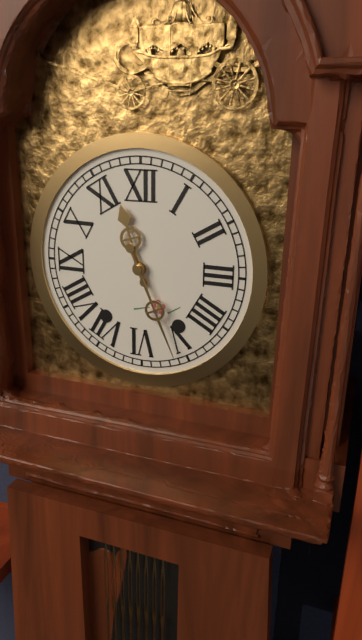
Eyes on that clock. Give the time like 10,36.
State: 11,26
